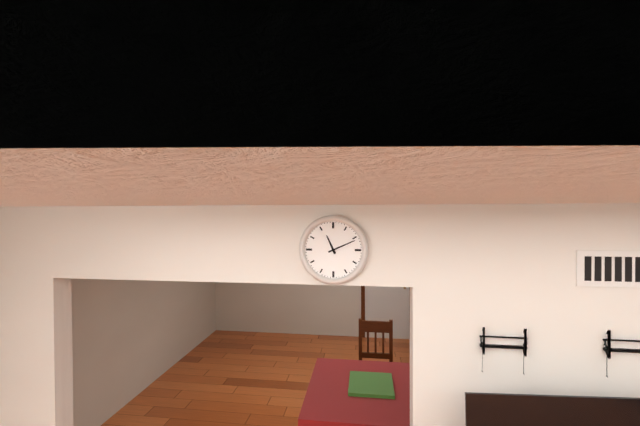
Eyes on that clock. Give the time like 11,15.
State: 11,11
